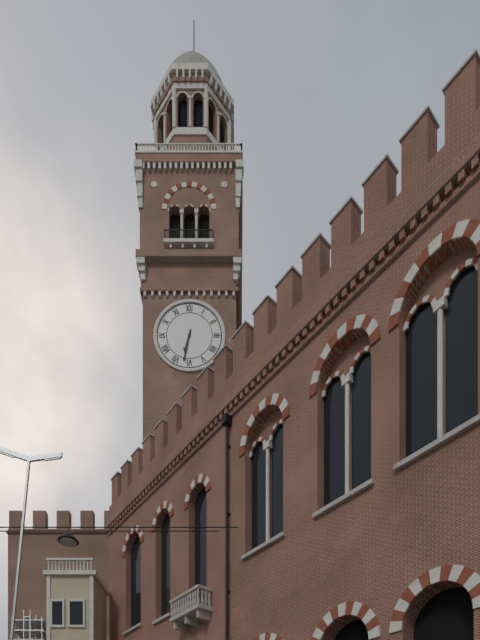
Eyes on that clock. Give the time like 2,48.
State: 6,32
